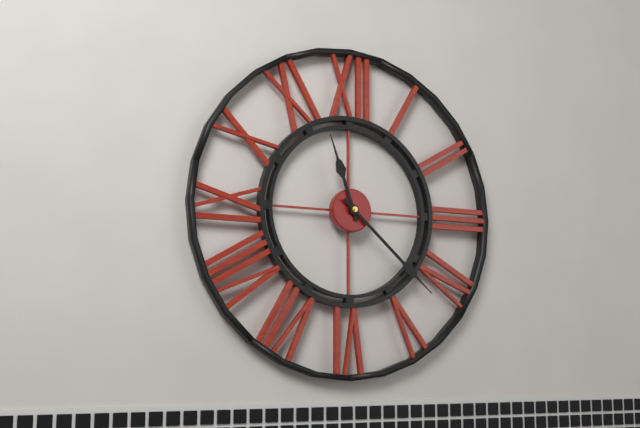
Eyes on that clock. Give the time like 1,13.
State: 11,22
